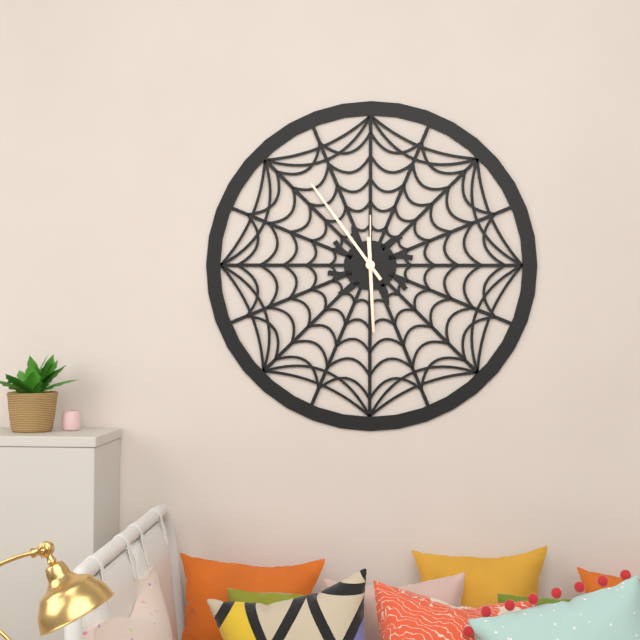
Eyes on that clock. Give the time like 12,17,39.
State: 5,54,00
